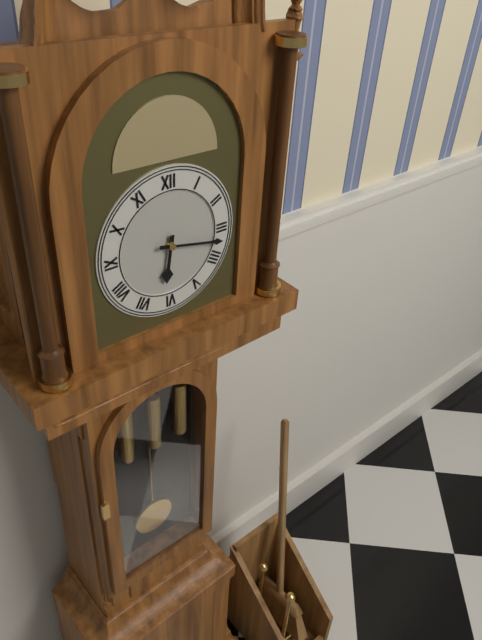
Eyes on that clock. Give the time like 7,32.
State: 6,17
